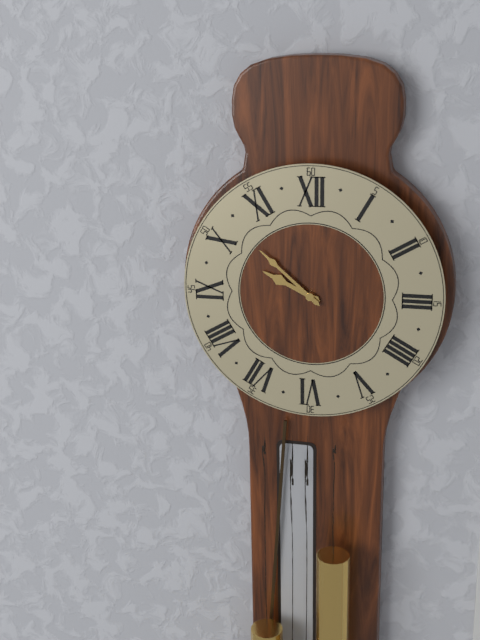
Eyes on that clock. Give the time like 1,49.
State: 9,52
